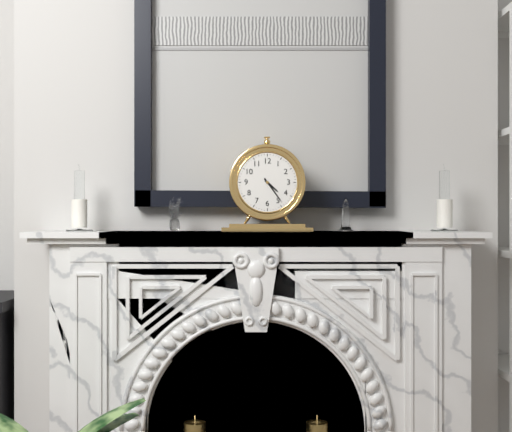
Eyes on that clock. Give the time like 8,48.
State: 4,24
